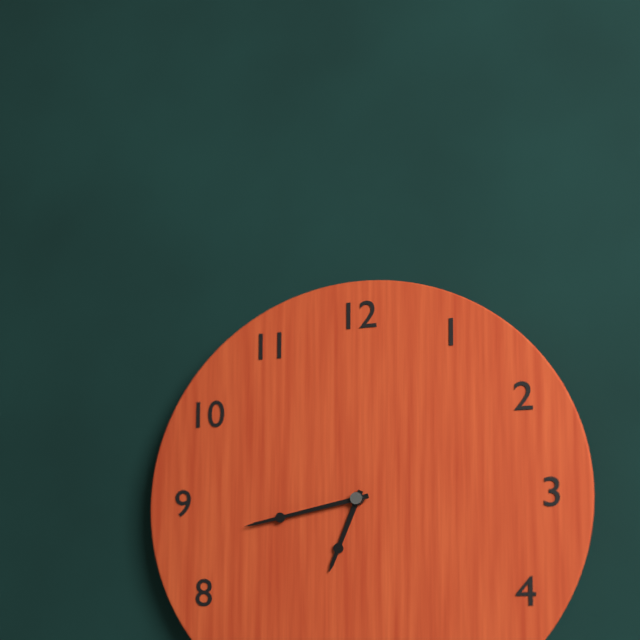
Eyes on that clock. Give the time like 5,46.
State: 6,43
